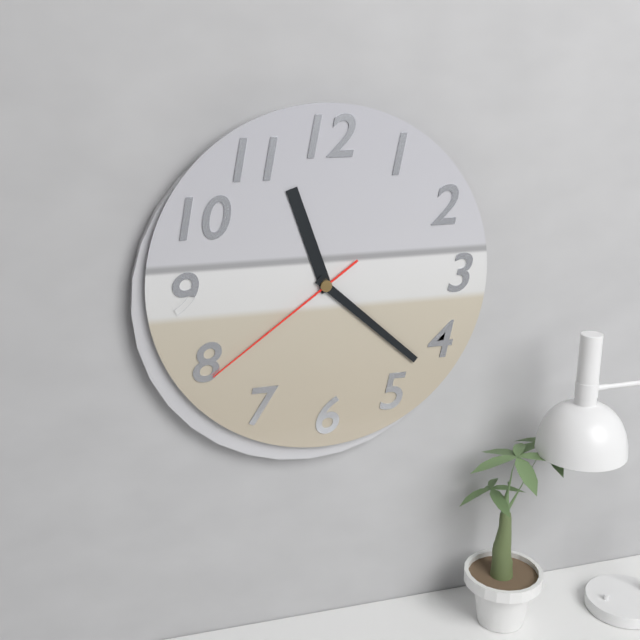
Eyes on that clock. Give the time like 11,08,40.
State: 11,22,39
